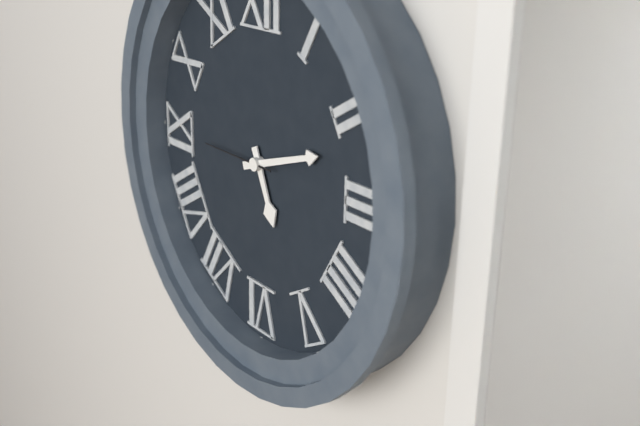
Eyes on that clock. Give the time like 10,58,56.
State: 5,12,45
